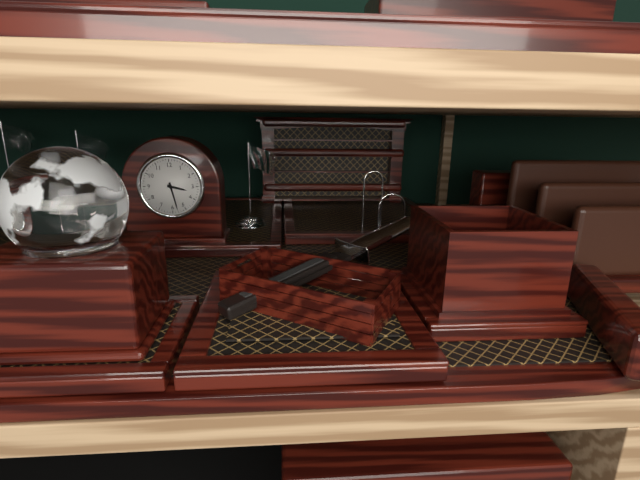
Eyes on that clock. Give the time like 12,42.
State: 3,28
